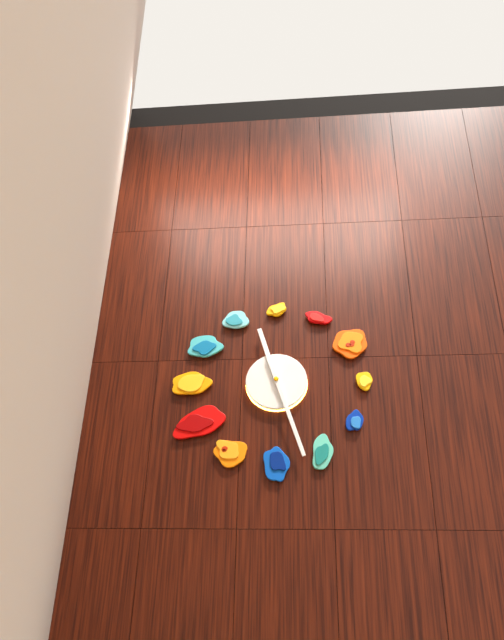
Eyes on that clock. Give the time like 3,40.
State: 11,27
